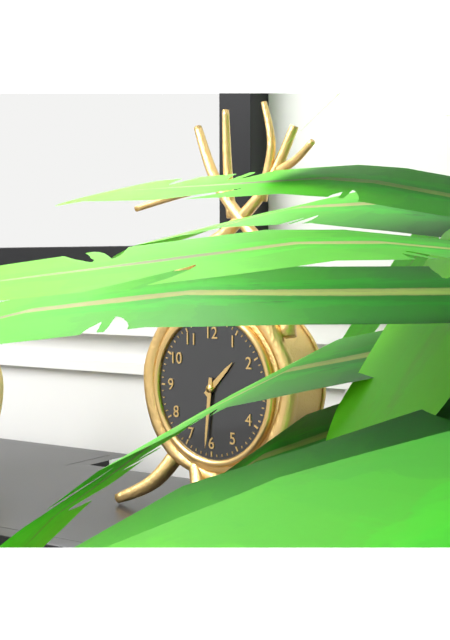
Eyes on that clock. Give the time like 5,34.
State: 1,31
